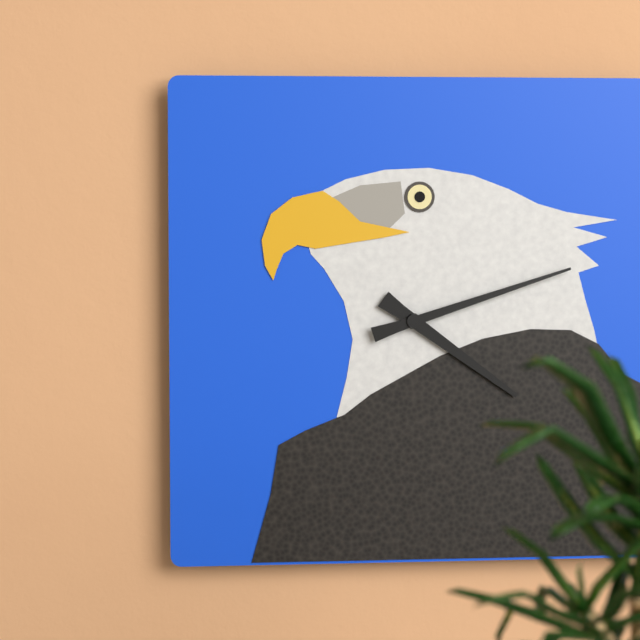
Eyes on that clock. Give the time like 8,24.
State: 4,12
